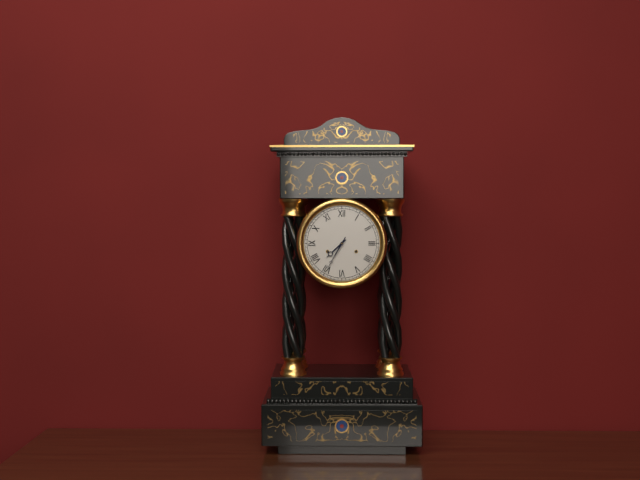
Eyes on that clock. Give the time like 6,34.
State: 7,35
